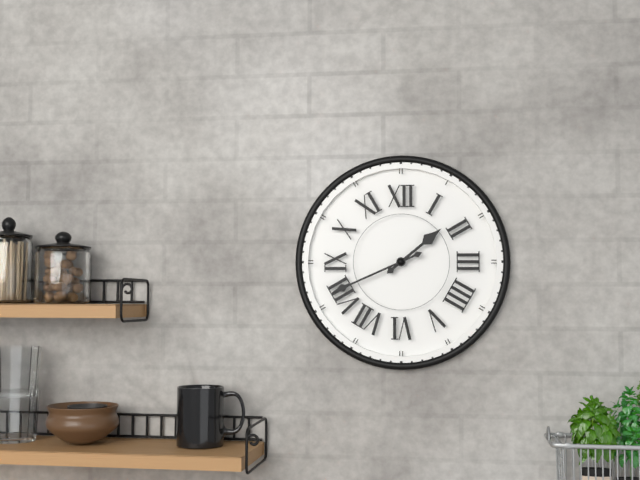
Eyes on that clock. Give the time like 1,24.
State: 1,41
